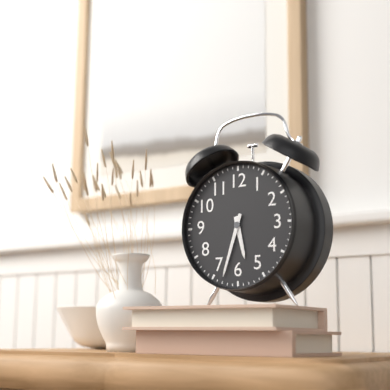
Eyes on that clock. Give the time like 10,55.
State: 5,33
